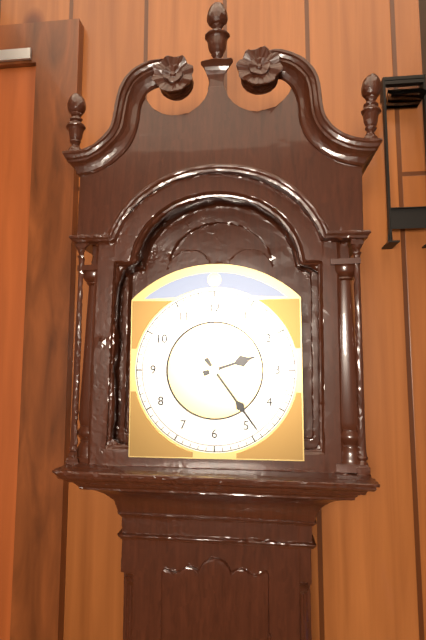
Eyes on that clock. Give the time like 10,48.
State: 2,24
